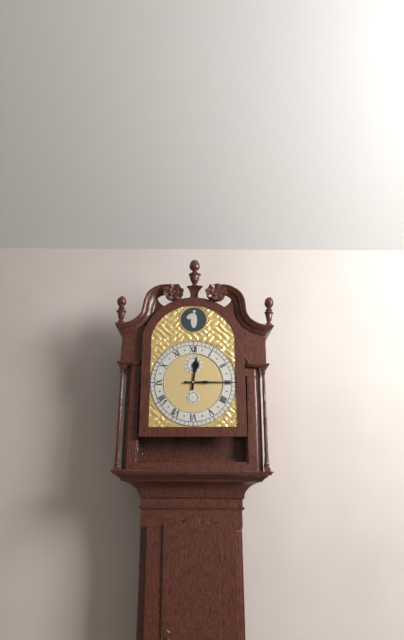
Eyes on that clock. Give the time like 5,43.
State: 12,15
